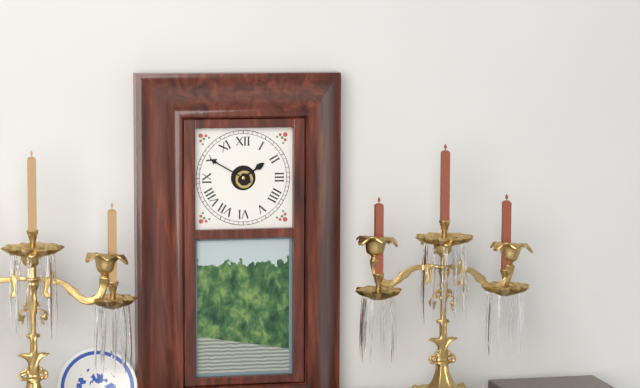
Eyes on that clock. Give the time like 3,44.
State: 1,50
